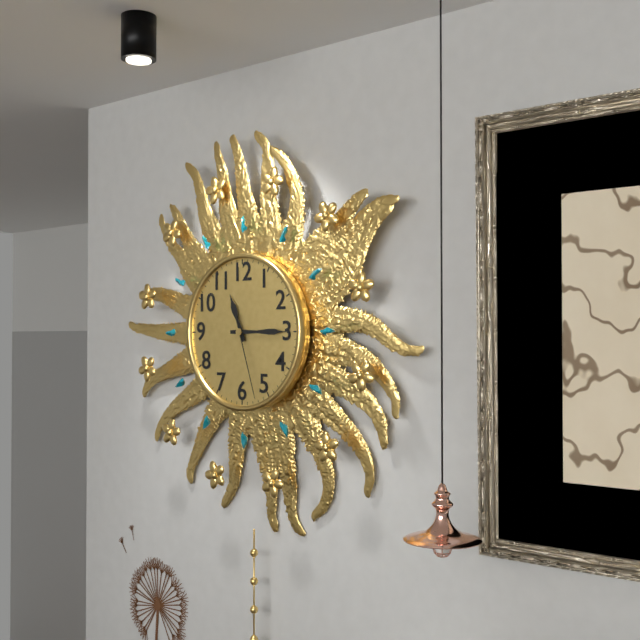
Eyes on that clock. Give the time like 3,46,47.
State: 11,15,27
